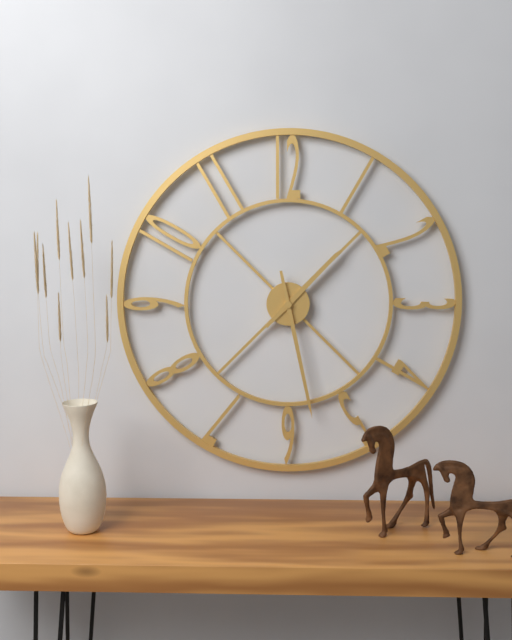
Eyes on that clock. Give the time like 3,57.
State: 1,28
